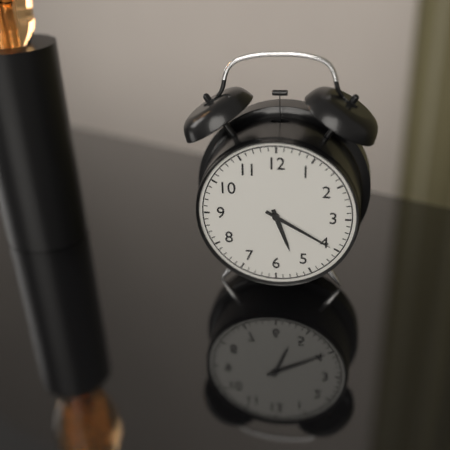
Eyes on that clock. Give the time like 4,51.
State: 5,20
